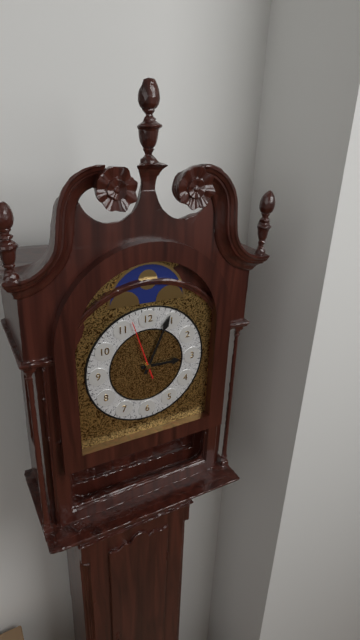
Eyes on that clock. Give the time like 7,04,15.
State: 3,04,57
